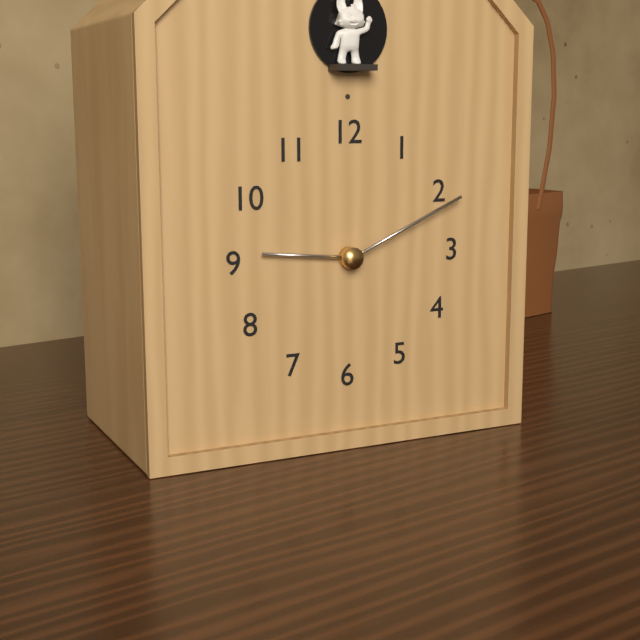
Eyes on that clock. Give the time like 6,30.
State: 9,11
